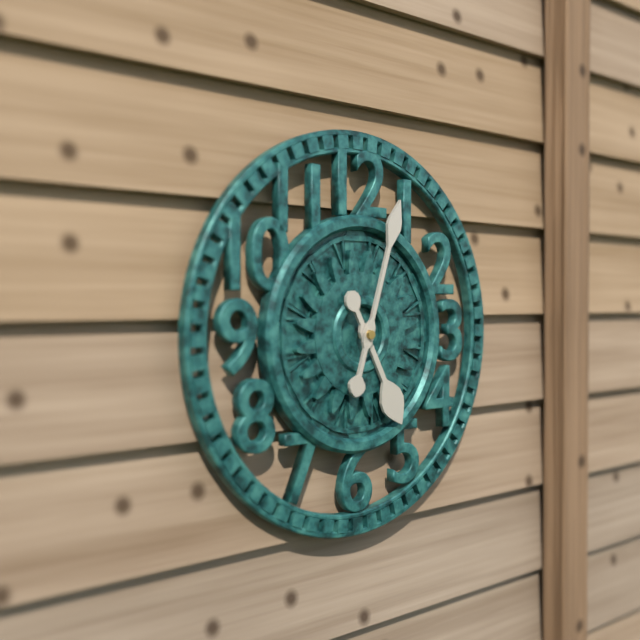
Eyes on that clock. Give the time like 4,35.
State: 5,03
